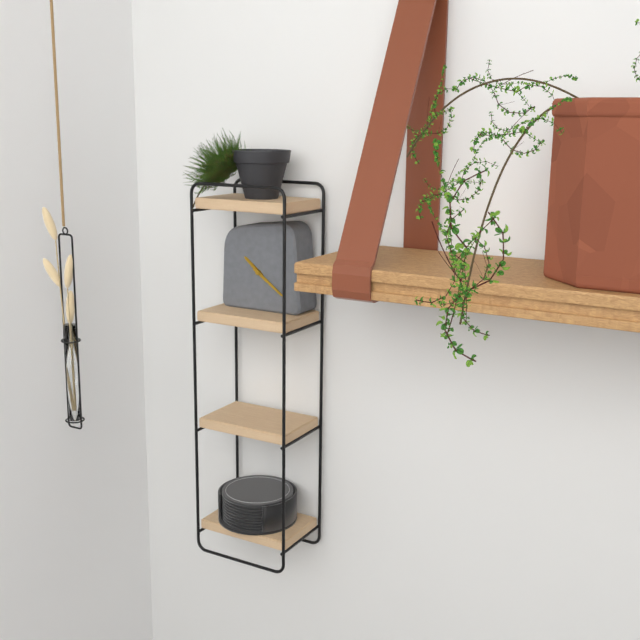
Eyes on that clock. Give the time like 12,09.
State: 10,21
